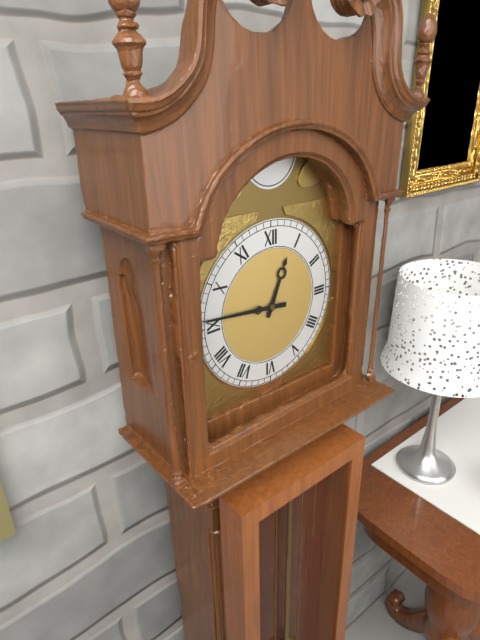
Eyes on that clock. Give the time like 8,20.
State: 12,46
